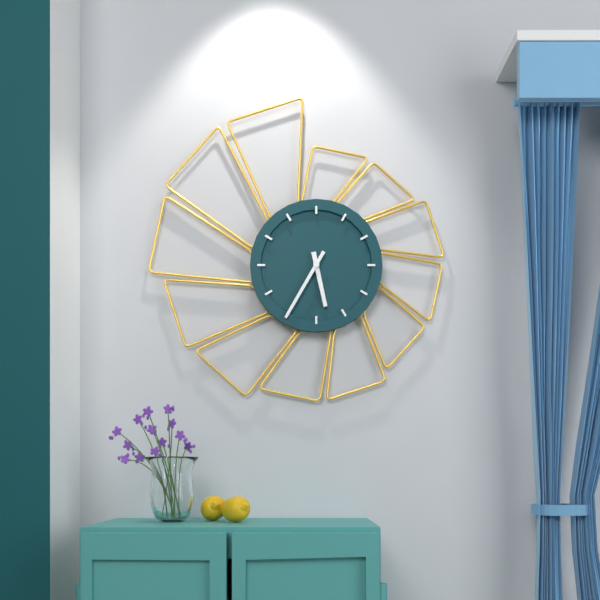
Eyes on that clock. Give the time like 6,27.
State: 5,35
